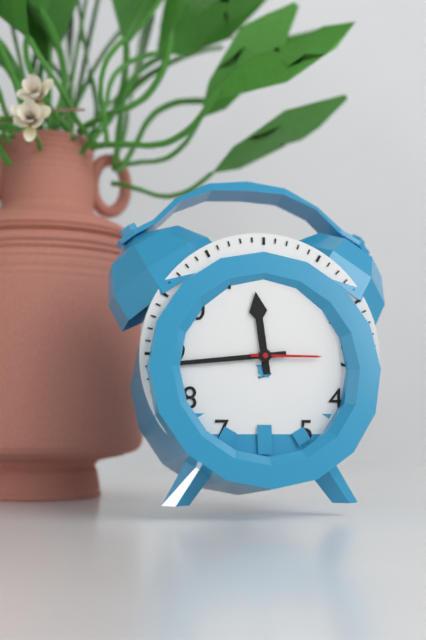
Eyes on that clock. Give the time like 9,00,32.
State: 11,44,15
